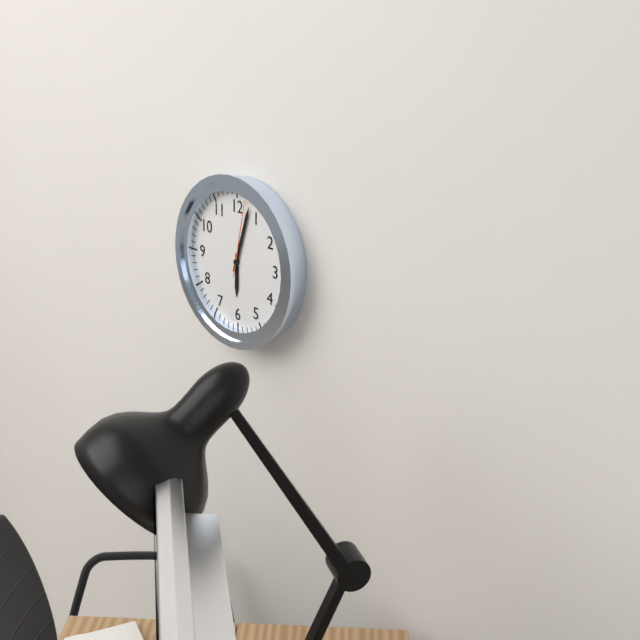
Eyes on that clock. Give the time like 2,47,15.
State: 6,03,02
